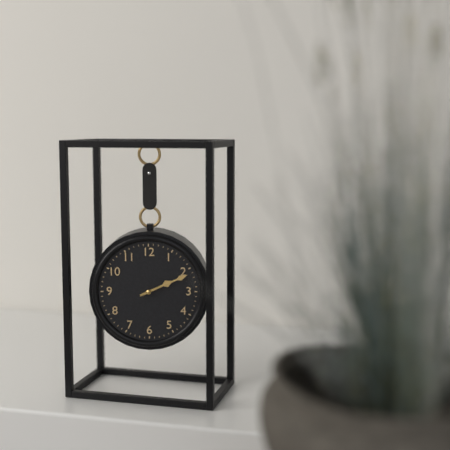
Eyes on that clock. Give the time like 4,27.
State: 2,11
